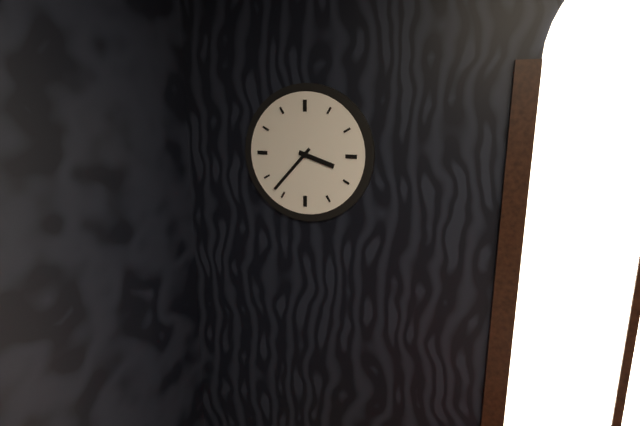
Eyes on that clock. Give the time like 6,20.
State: 3,37
